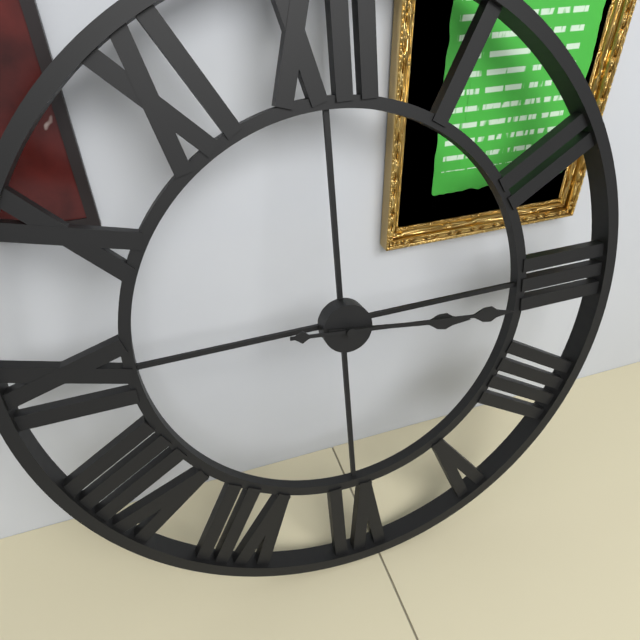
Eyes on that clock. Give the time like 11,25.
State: 3,16
